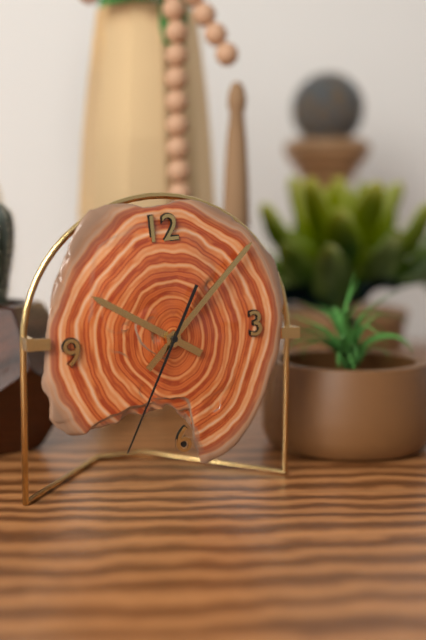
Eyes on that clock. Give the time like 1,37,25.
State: 10,08,35
